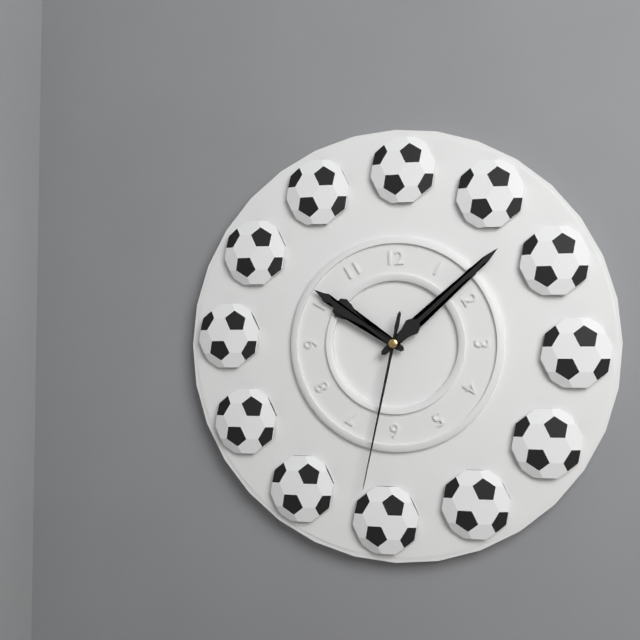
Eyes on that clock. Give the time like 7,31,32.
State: 10,08,32
